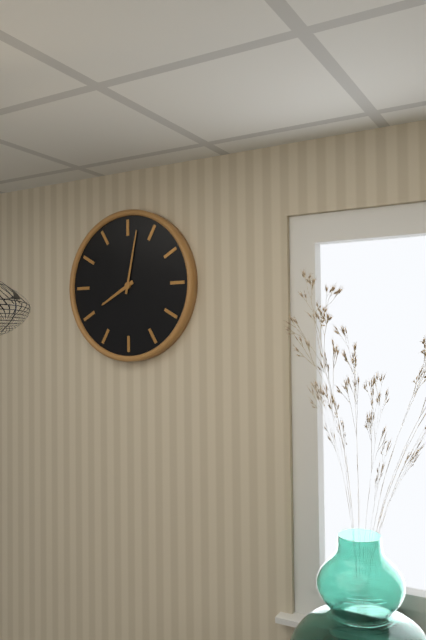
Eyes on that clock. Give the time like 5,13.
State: 8,02
